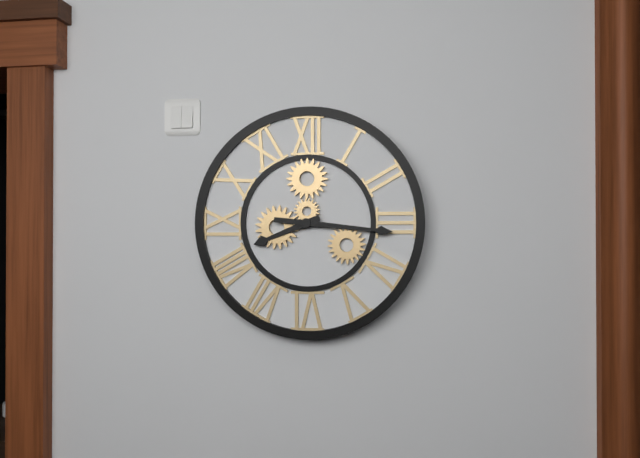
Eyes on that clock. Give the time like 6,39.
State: 8,16
